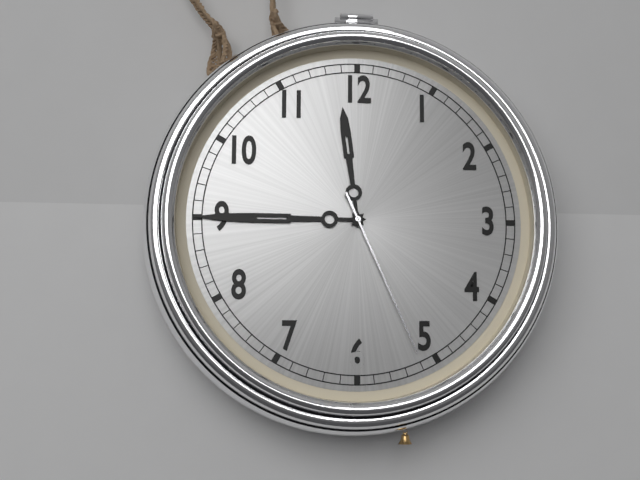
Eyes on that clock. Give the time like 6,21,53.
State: 11,45,26
